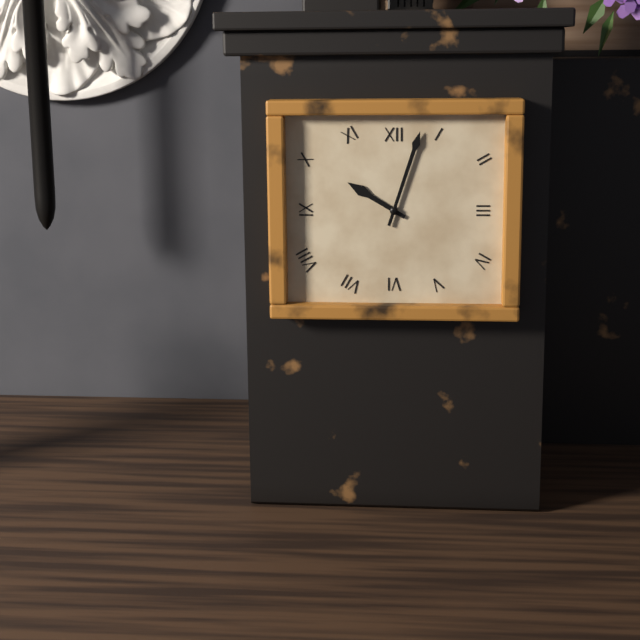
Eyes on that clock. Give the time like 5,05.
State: 10,03
